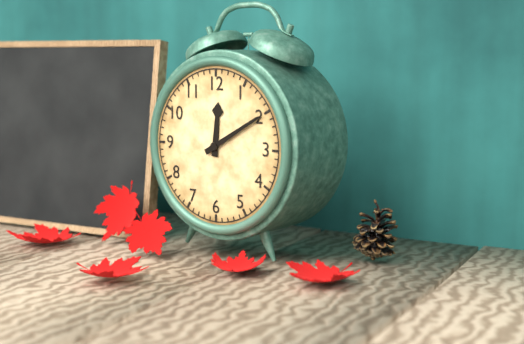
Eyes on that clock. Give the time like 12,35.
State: 12,10
